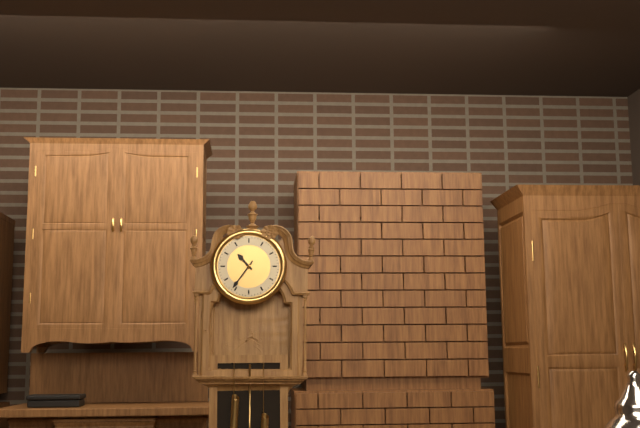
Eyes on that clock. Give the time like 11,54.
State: 10,36
